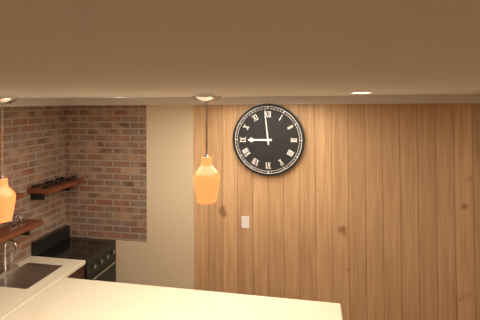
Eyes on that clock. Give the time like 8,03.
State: 8,59
